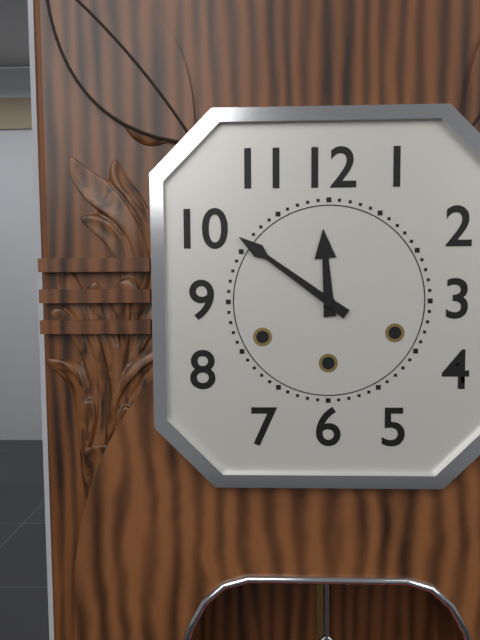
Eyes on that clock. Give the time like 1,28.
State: 11,51
